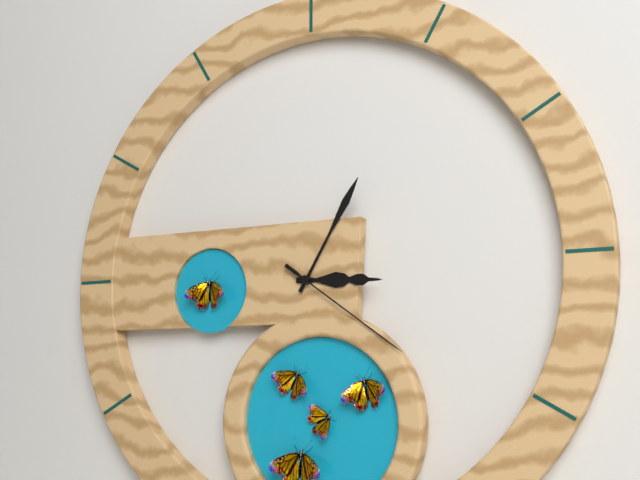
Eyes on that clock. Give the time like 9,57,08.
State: 3,05,21
